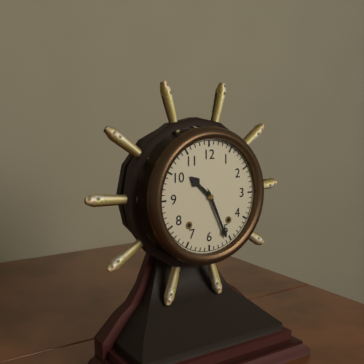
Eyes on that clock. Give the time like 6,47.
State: 10,26
